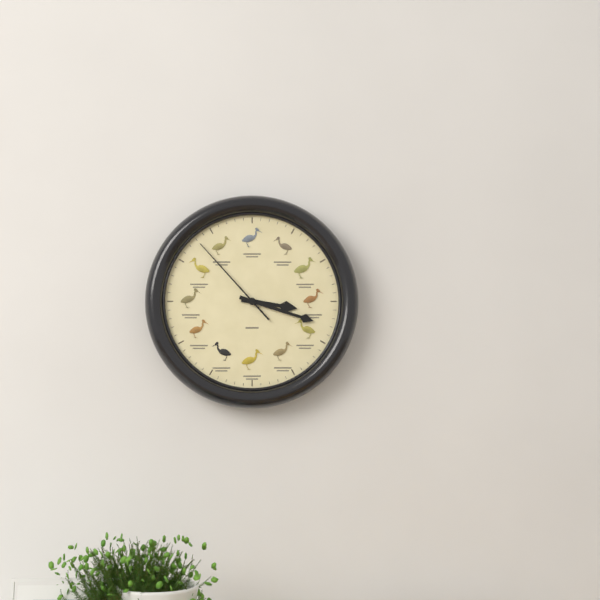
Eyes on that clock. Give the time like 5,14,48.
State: 3,18,53
